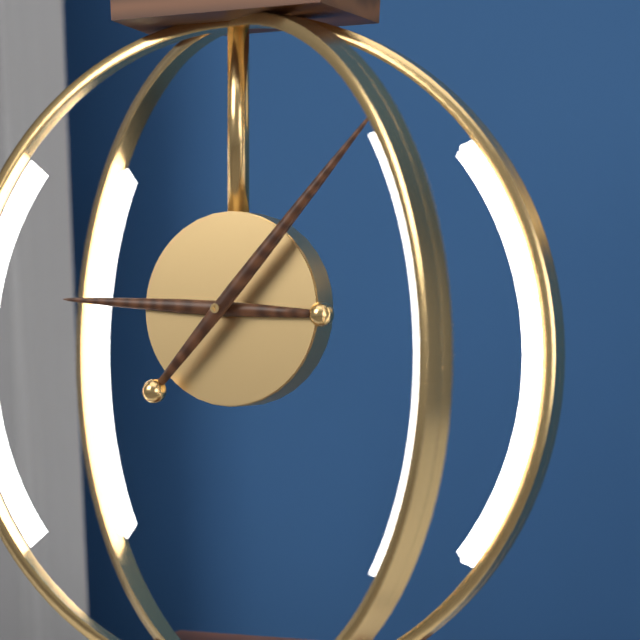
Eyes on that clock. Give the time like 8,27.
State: 9,07
